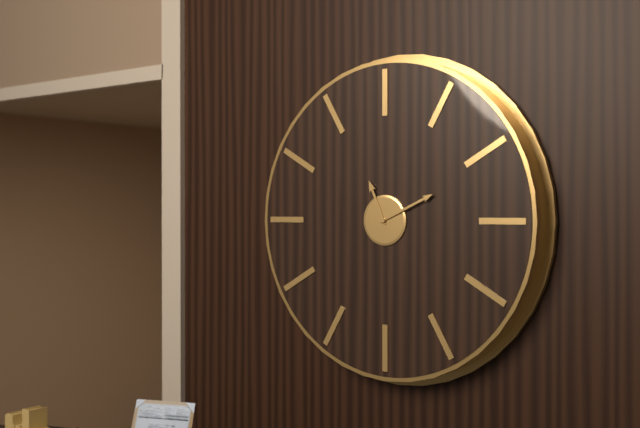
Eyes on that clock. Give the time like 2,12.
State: 11,11
